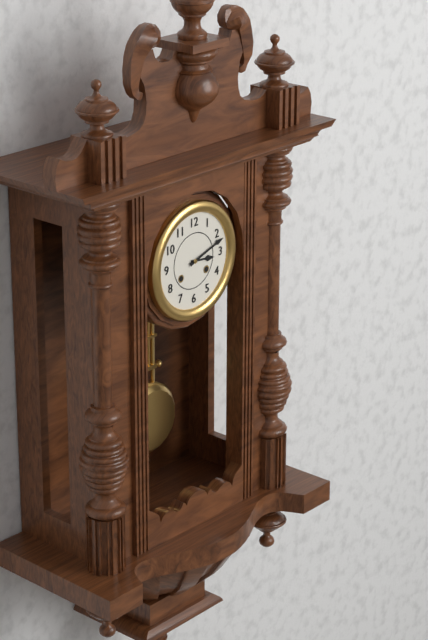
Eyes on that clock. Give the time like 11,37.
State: 3,12
